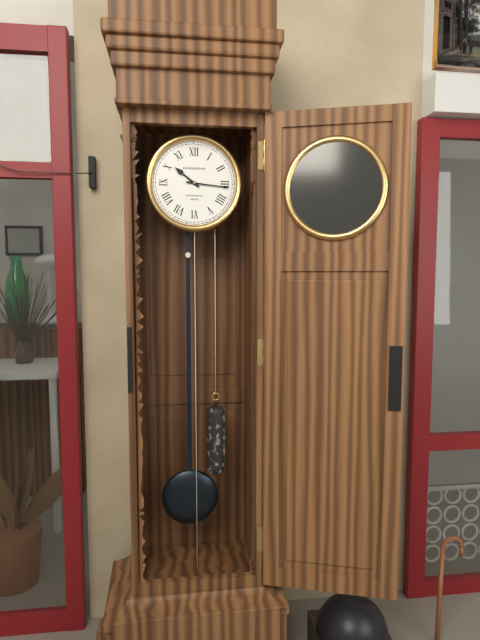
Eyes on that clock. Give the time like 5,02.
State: 10,16
